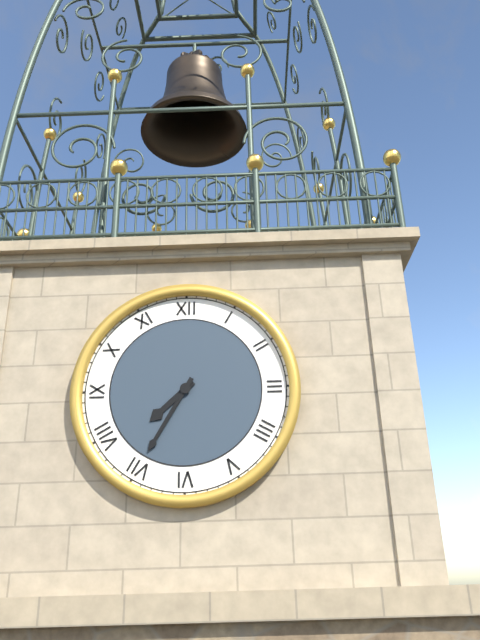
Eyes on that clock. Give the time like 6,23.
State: 7,35
